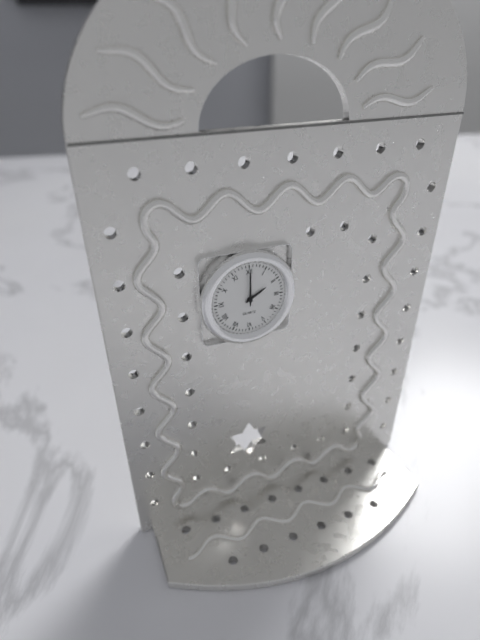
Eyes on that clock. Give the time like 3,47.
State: 2,00
